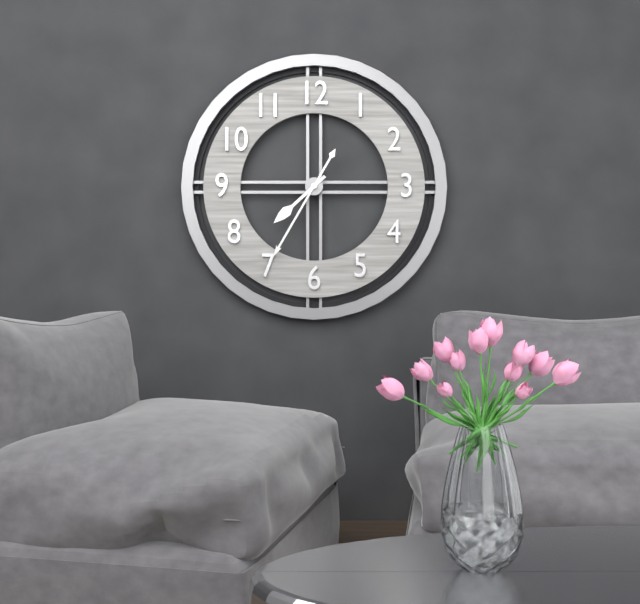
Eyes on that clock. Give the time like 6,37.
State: 7,35
